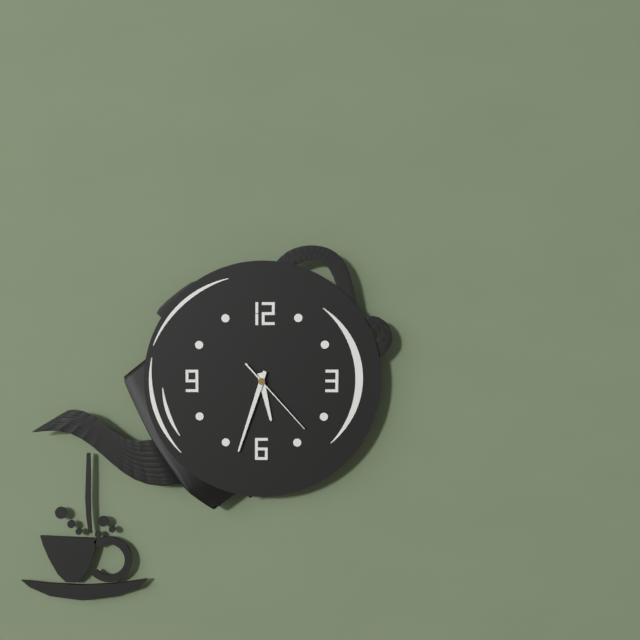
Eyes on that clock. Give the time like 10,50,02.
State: 5,33,23
